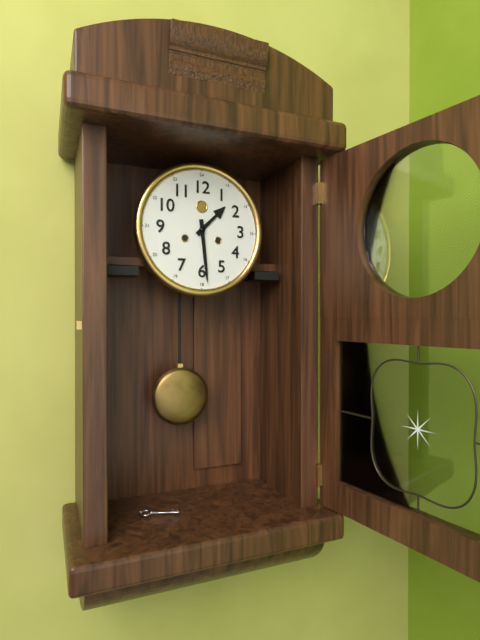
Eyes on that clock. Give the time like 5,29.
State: 1,29
